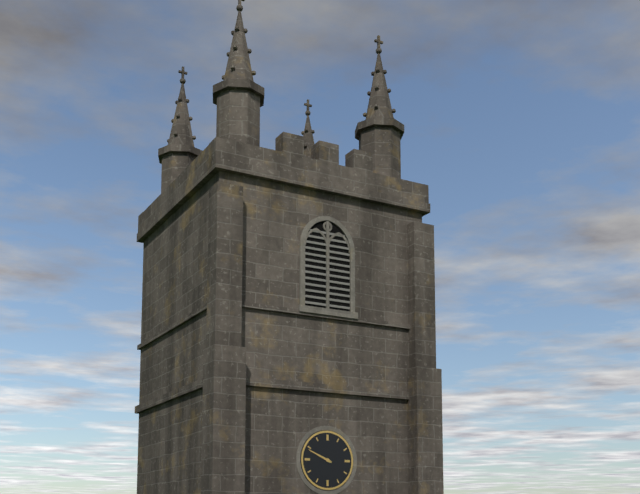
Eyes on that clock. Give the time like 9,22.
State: 9,49
